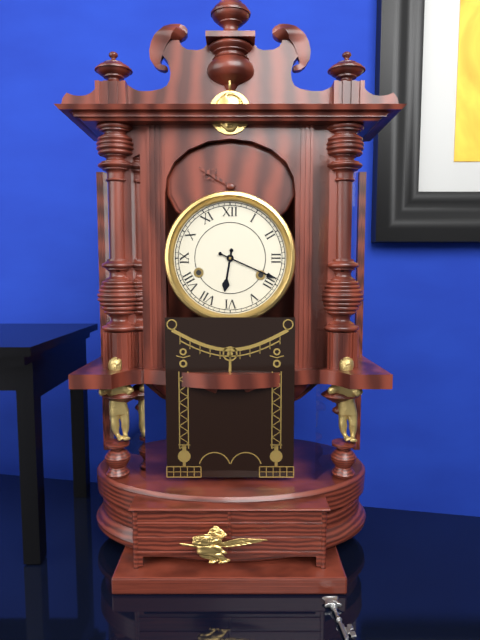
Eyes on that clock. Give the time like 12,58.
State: 6,19
